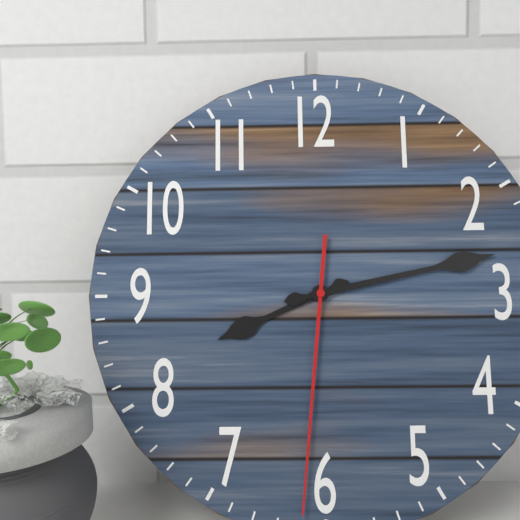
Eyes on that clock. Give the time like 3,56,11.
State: 8,13,31
